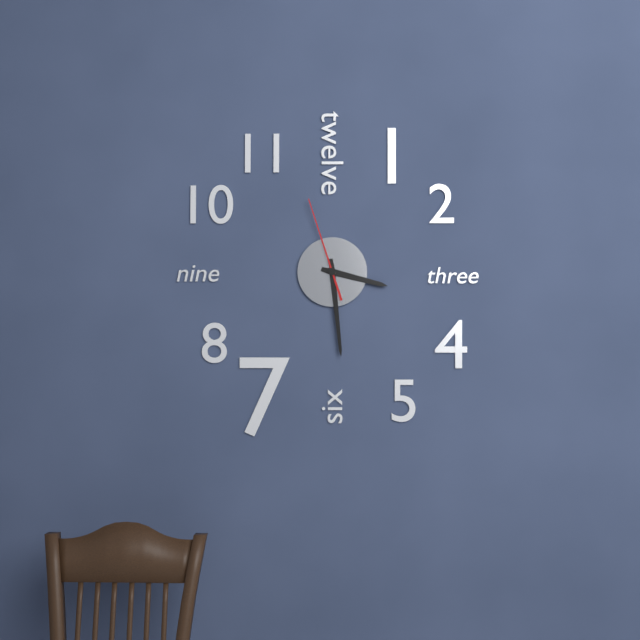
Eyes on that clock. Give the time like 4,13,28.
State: 3,29,57
